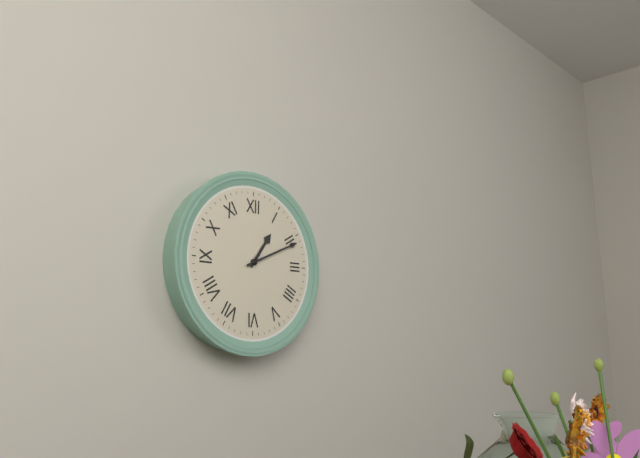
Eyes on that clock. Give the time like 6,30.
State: 1,11
